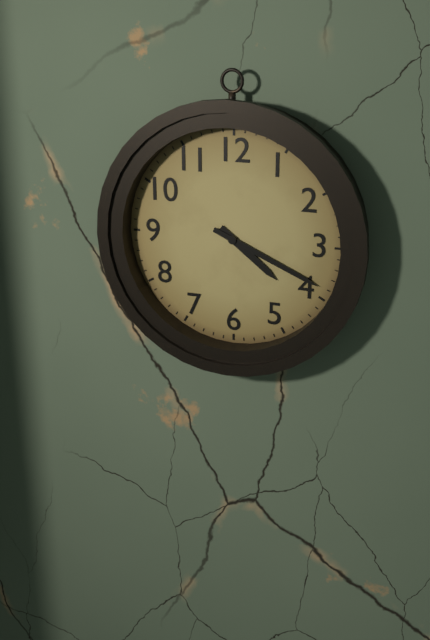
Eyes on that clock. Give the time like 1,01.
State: 4,19
